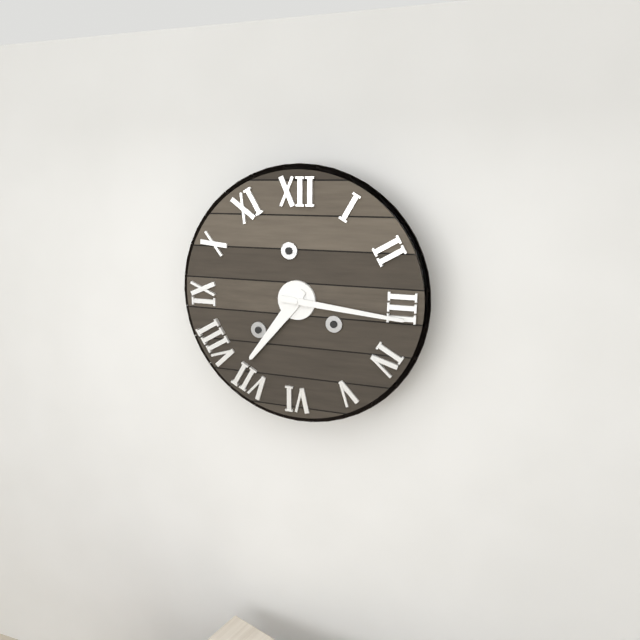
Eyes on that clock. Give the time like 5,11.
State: 7,16
